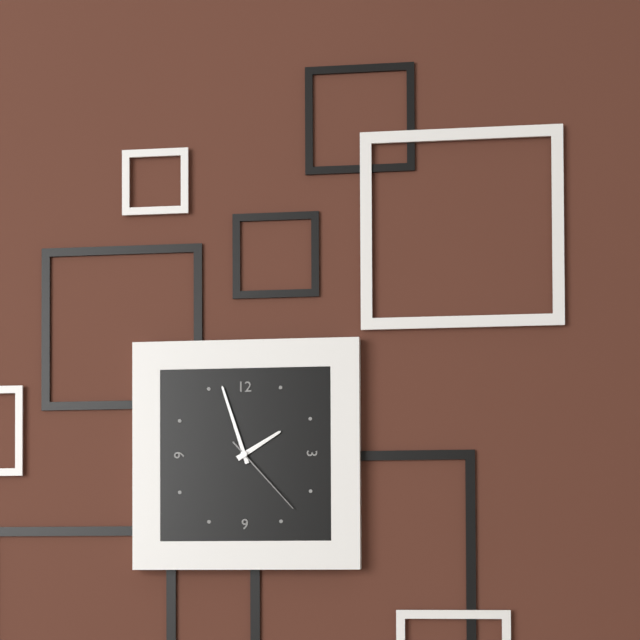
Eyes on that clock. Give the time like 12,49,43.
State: 1,57,23
